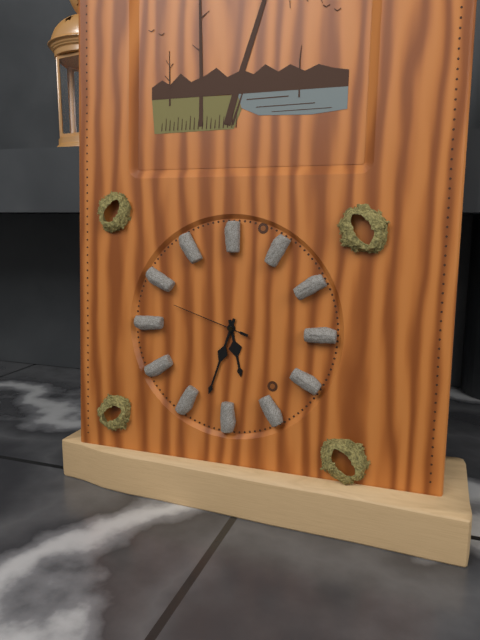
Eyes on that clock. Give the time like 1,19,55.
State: 5,33,48
